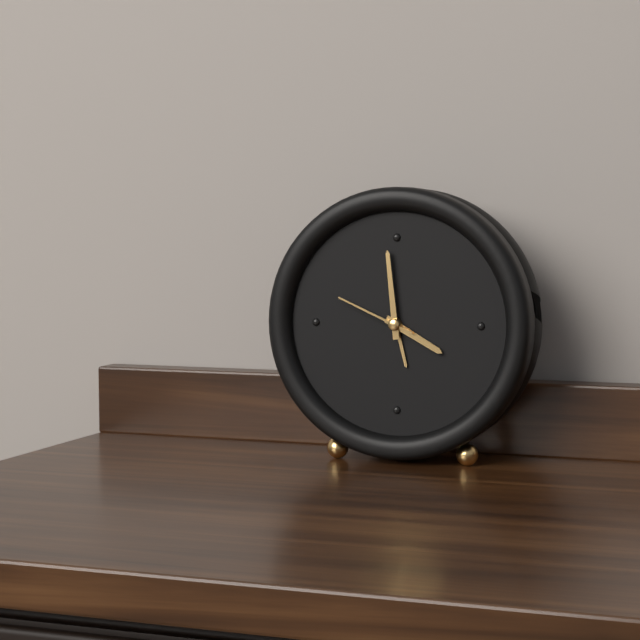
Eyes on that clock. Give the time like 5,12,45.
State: 3,59,49
